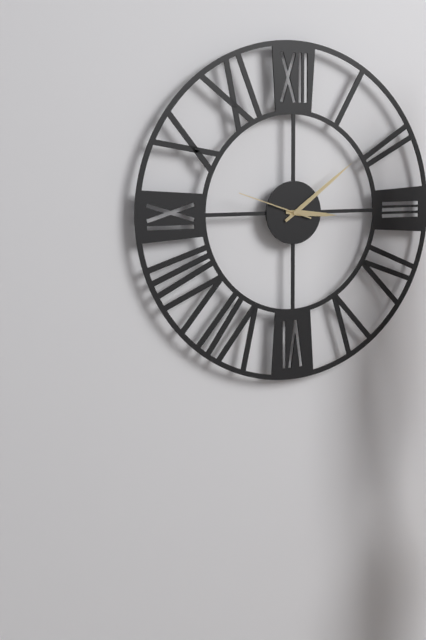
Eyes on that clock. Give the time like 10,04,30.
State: 3,09,48
